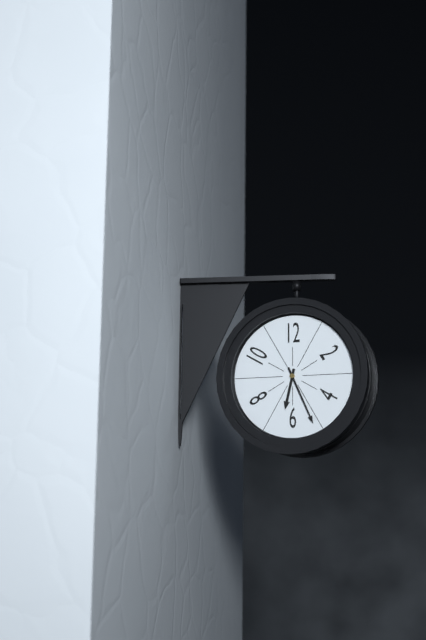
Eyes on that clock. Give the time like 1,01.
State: 6,26
